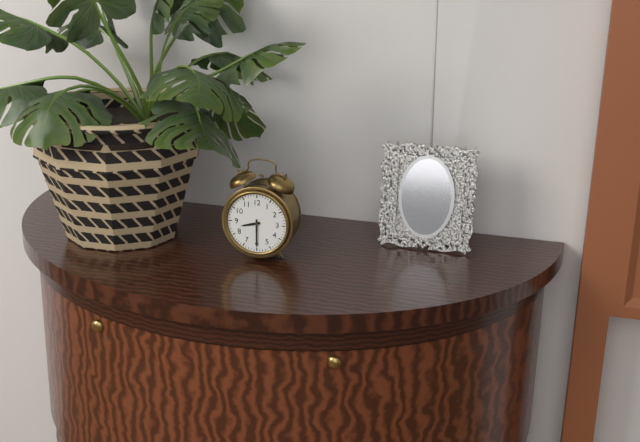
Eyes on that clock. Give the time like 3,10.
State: 8,30
